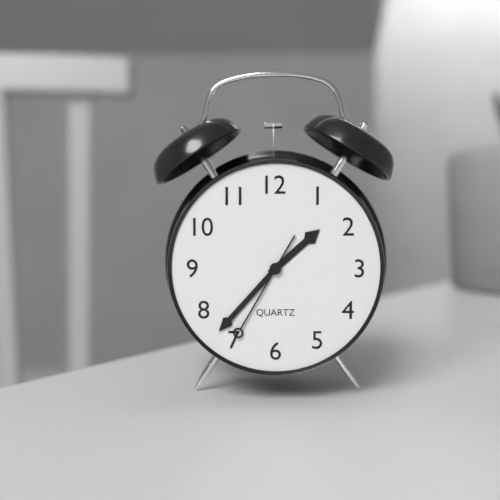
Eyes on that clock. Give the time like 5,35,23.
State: 1,37,35
